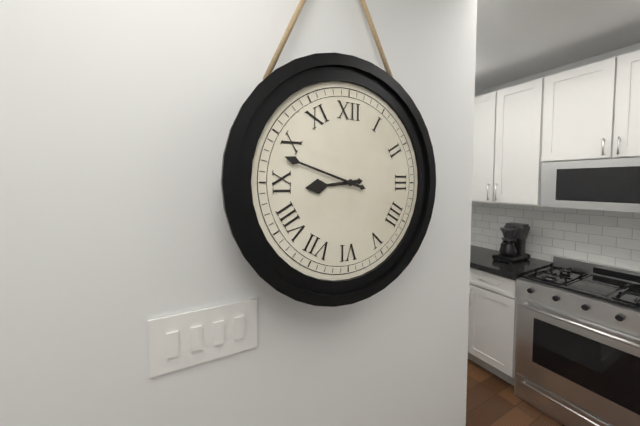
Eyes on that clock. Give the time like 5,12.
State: 8,48
